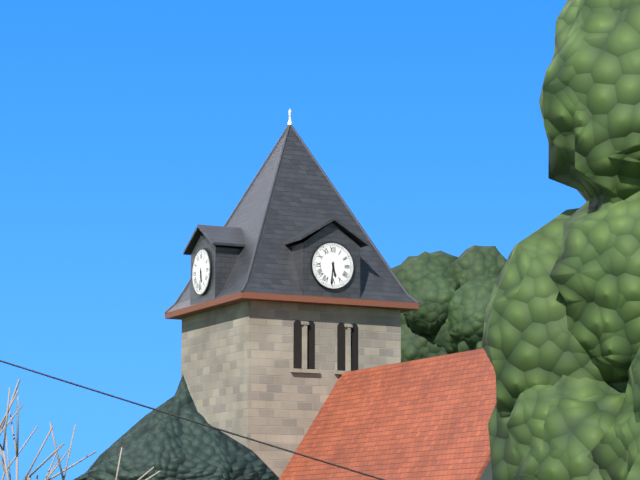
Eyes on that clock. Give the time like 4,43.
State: 5,31
